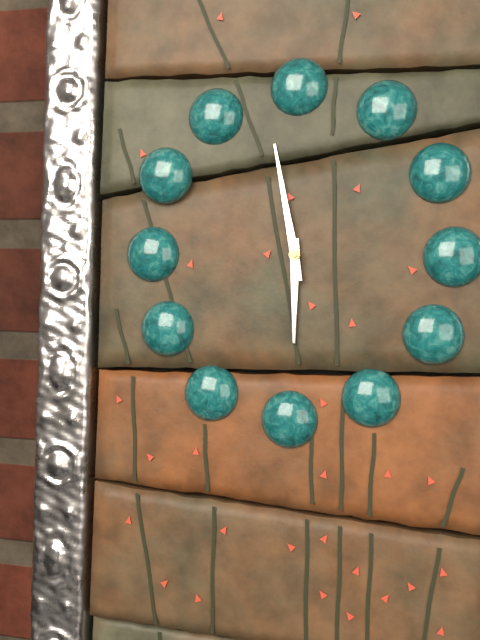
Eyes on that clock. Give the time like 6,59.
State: 5,58
